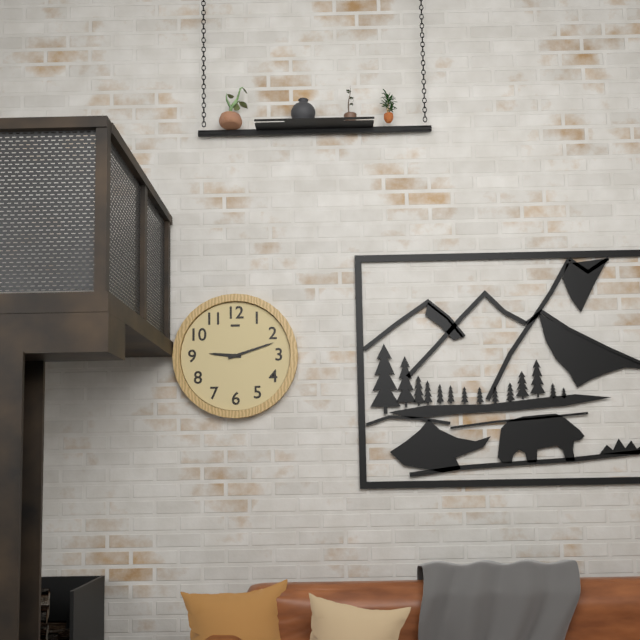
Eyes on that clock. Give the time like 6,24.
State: 9,12
